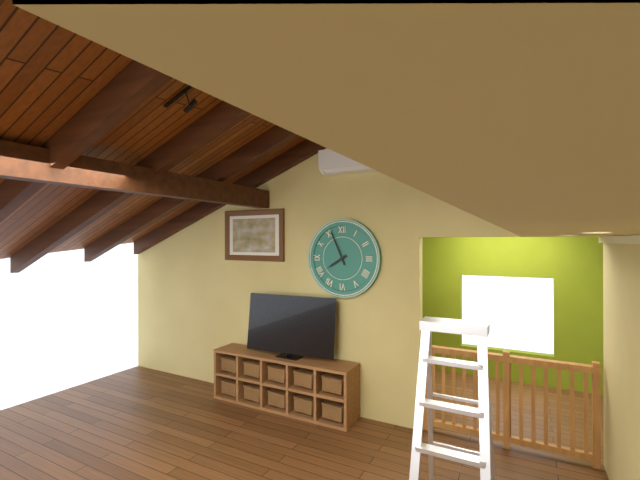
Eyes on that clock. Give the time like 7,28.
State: 7,56
